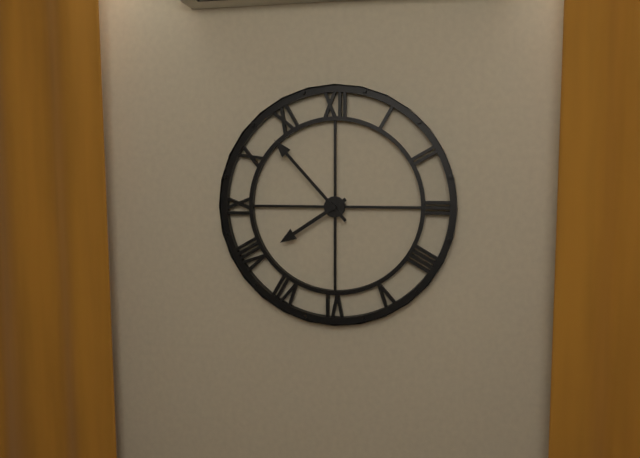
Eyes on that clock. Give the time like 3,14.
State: 7,53
